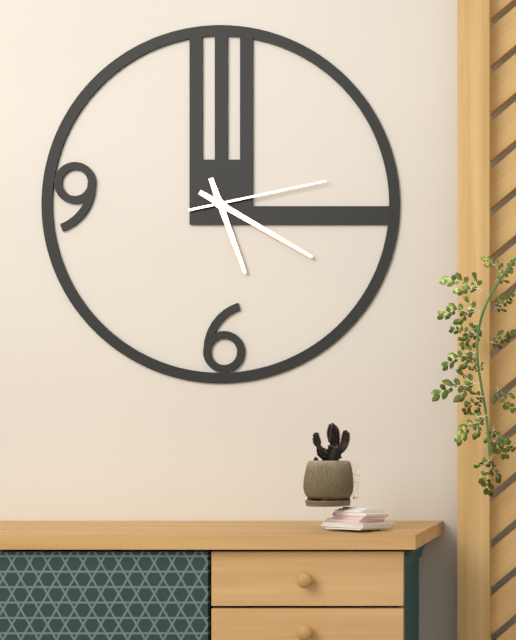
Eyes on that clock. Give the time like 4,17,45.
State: 5,20,13
